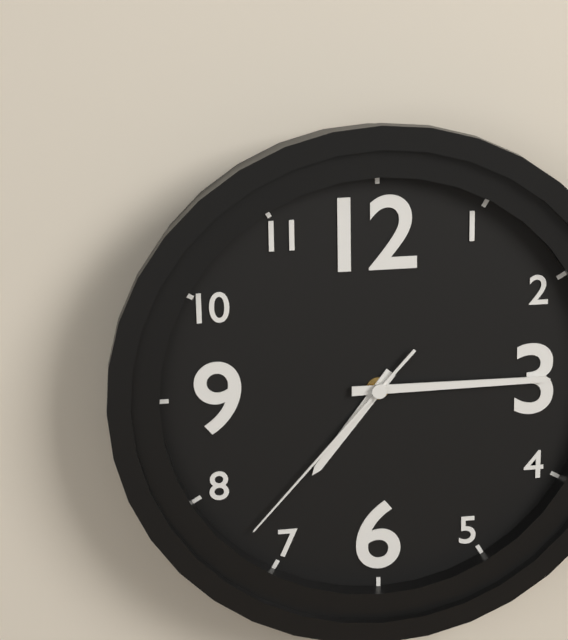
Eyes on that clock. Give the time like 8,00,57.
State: 7,15,37
